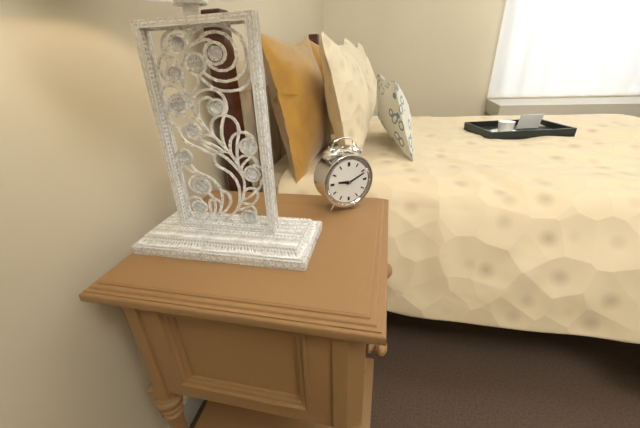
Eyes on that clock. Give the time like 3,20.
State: 9,11
